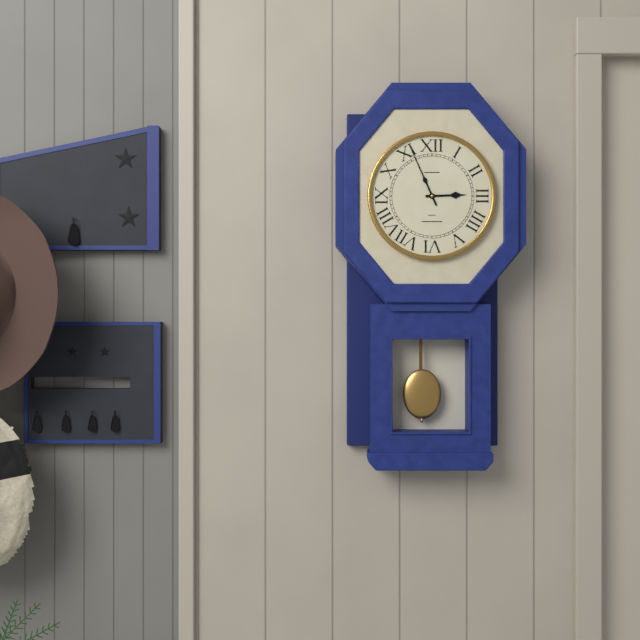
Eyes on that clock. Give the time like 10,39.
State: 2,56
